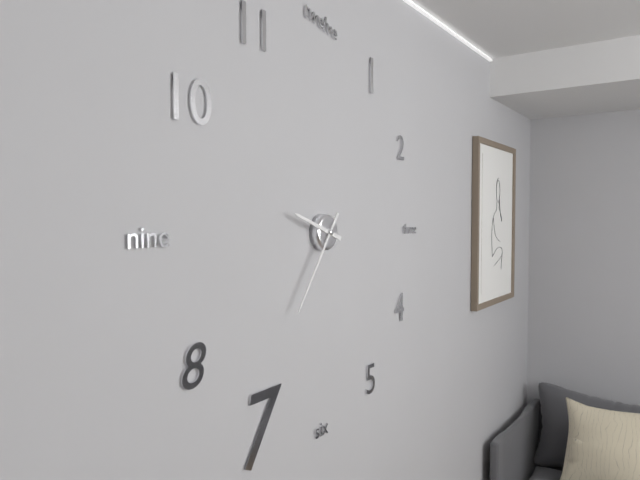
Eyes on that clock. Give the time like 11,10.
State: 9,36
